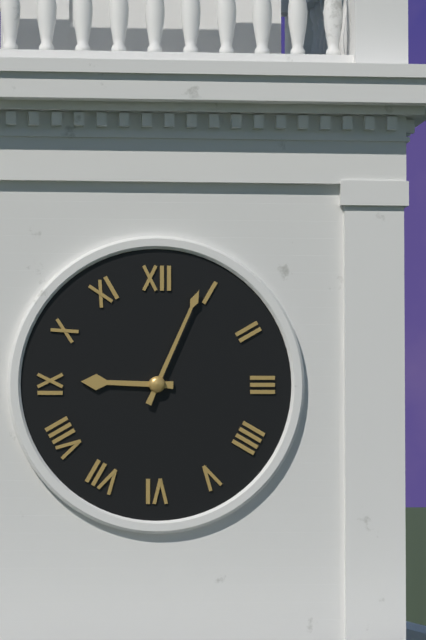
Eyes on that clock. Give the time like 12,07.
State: 9,04
